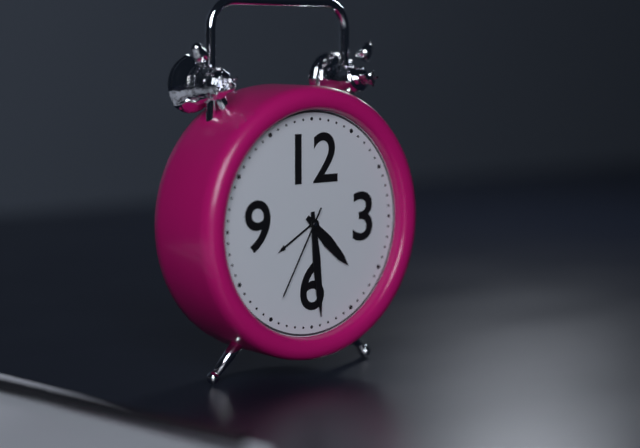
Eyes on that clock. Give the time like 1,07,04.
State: 4,29,35
